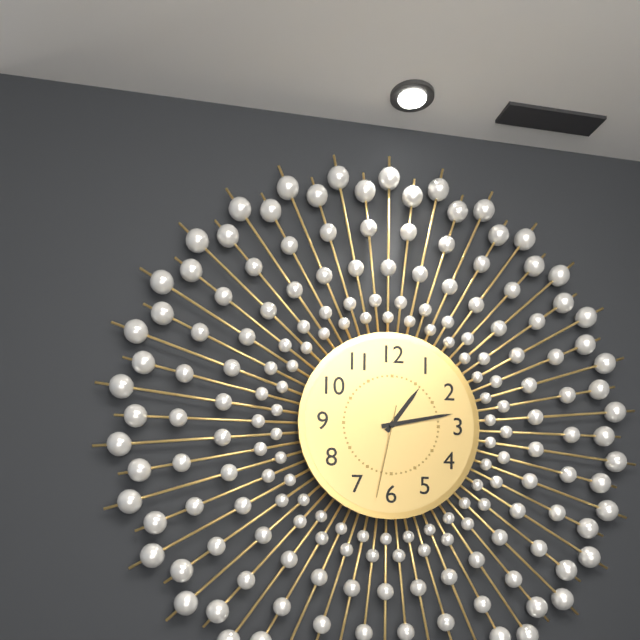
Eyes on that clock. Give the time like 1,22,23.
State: 1,13,32
